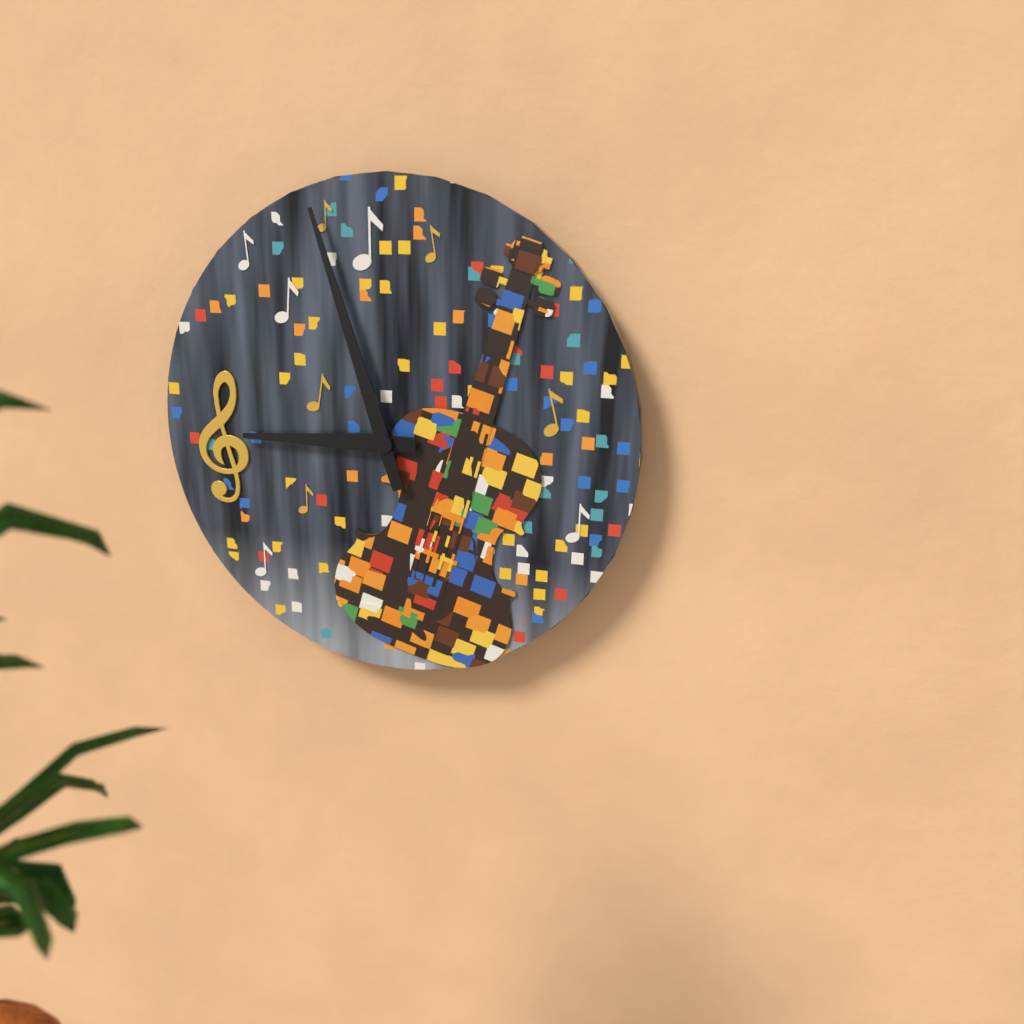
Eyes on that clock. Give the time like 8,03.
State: 8,57
